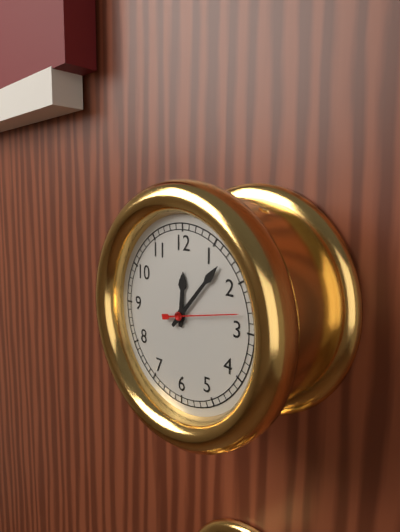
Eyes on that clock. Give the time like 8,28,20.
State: 12,07,13
